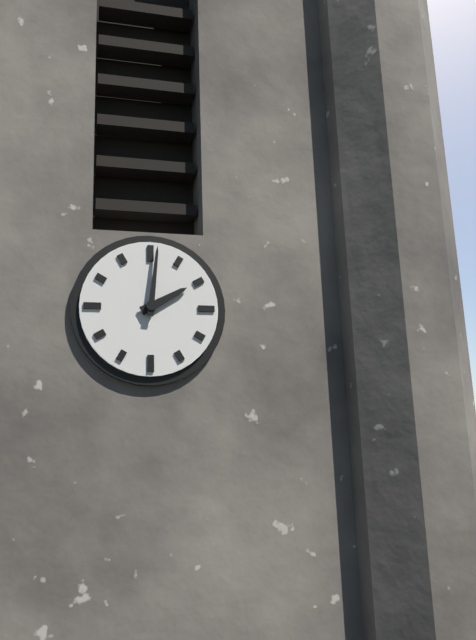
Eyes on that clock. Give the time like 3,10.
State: 2,01
